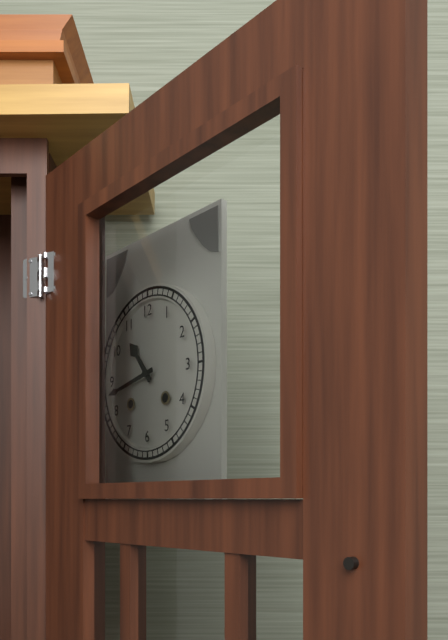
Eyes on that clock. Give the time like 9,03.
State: 10,43
